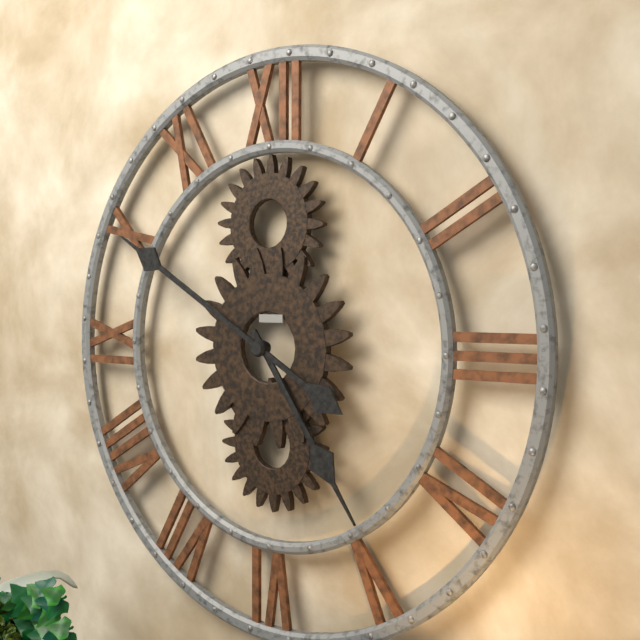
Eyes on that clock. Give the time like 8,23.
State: 4,50
